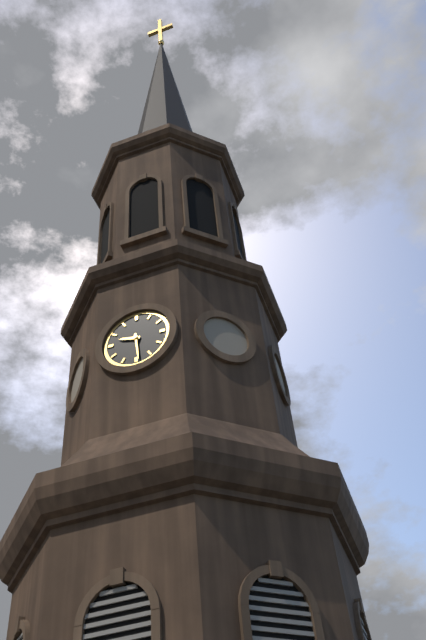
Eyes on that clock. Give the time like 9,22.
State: 9,29
